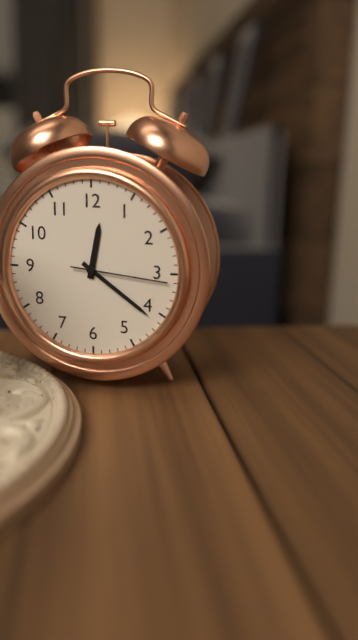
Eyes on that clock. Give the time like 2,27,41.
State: 12,21,16
